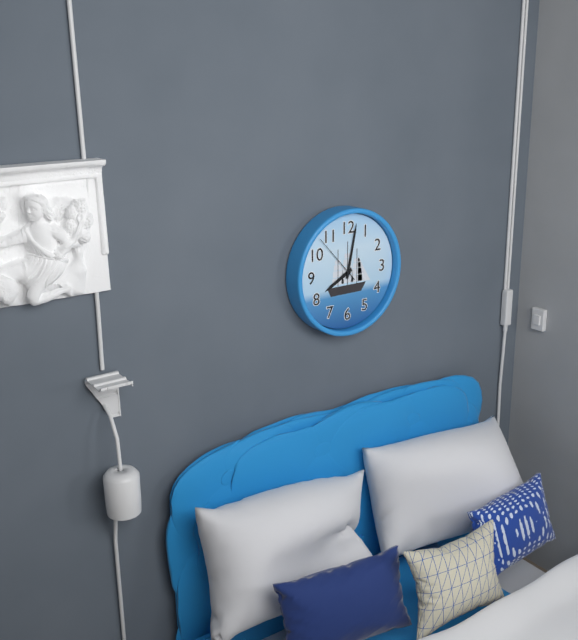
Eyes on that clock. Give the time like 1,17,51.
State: 8,02,53
